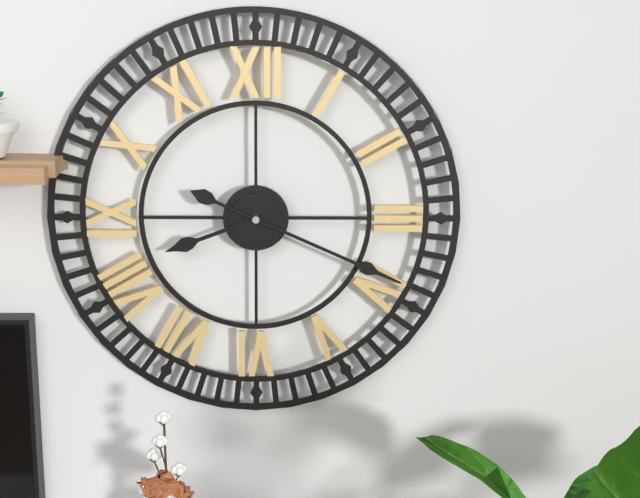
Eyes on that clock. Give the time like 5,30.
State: 8,19
